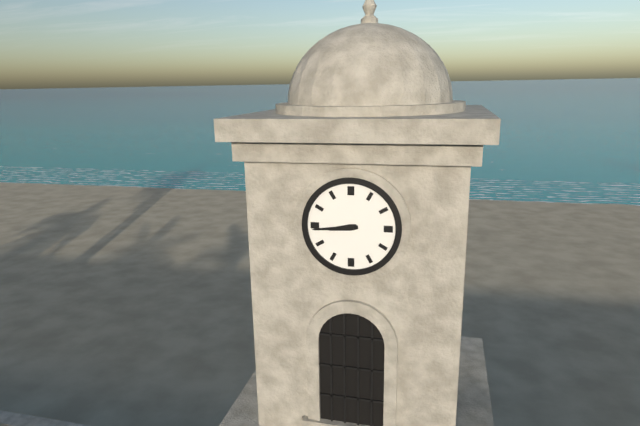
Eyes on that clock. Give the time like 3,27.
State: 8,44
